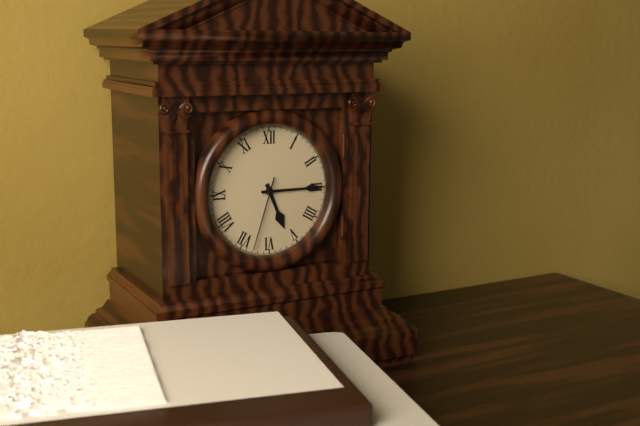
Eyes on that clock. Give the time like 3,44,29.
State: 5,15,33
